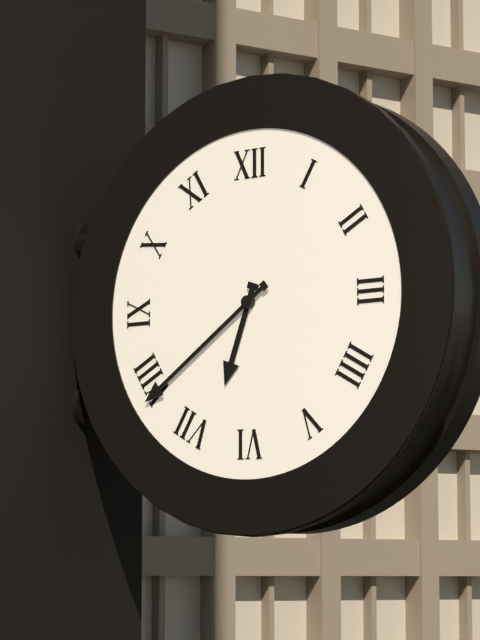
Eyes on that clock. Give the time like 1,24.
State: 6,39
